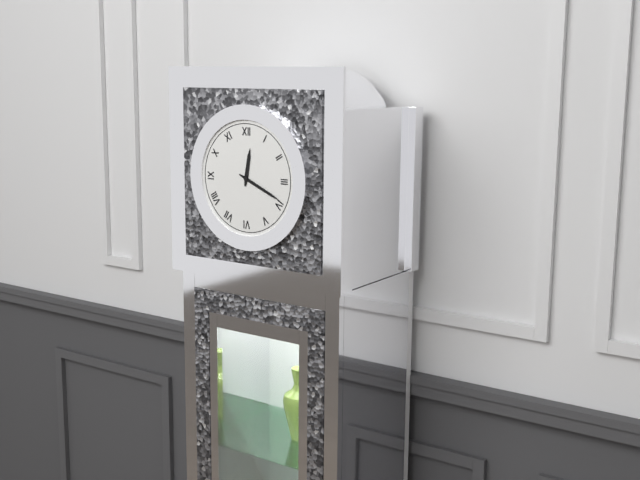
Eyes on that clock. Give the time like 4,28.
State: 12,19
